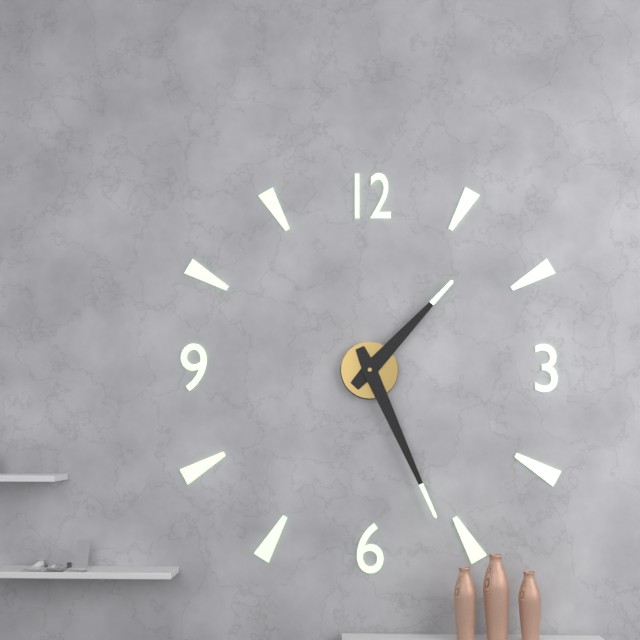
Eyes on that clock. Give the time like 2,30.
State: 1,26
